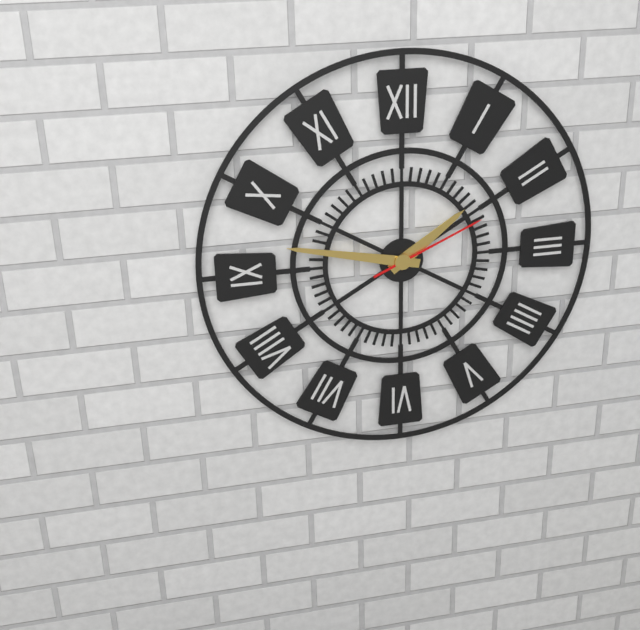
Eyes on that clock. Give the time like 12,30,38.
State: 1,47,11
